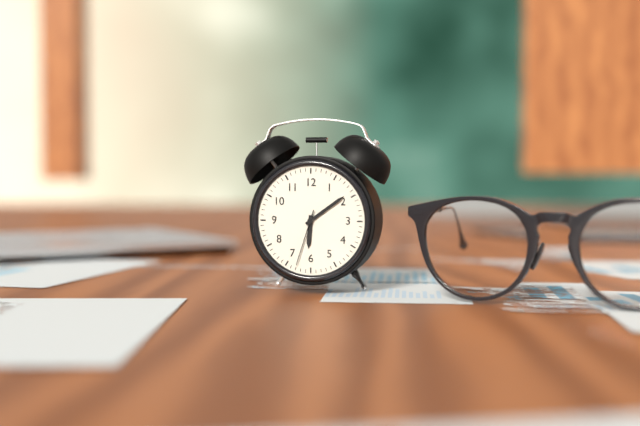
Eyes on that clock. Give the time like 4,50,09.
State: 6,09,33
